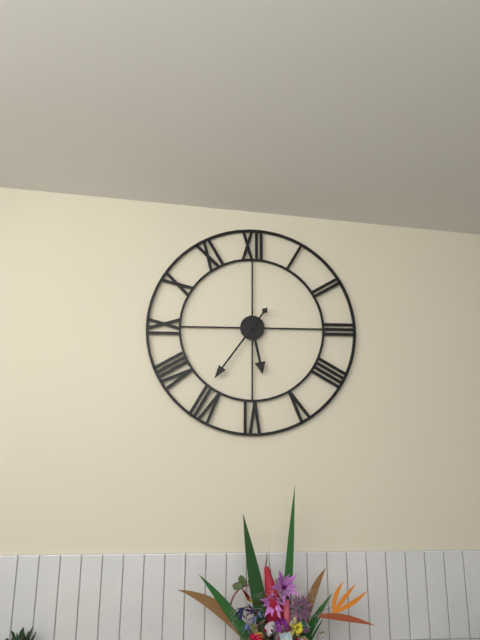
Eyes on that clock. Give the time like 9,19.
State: 5,36
